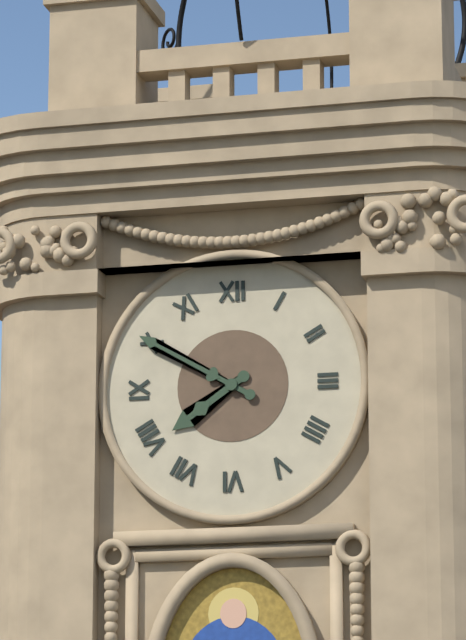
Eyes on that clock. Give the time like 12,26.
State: 7,50
